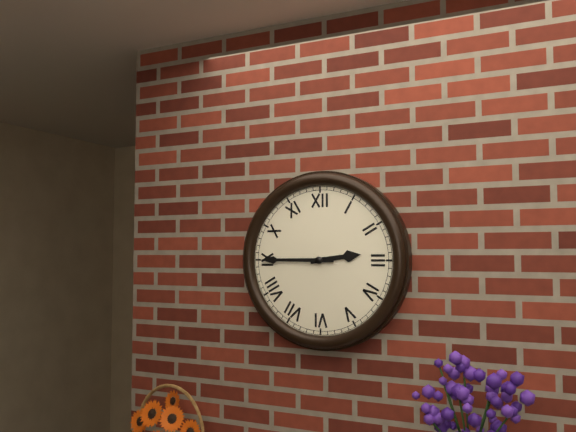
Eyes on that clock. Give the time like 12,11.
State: 2,45
